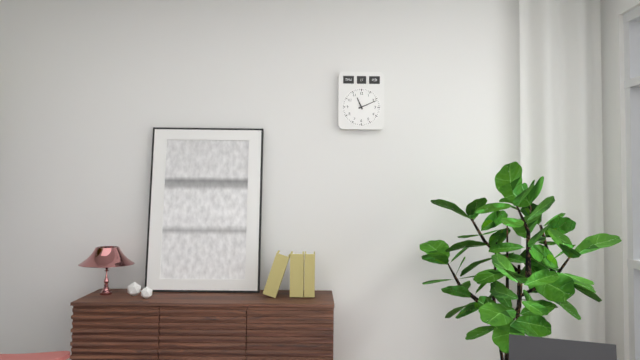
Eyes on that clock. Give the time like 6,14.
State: 11,11
